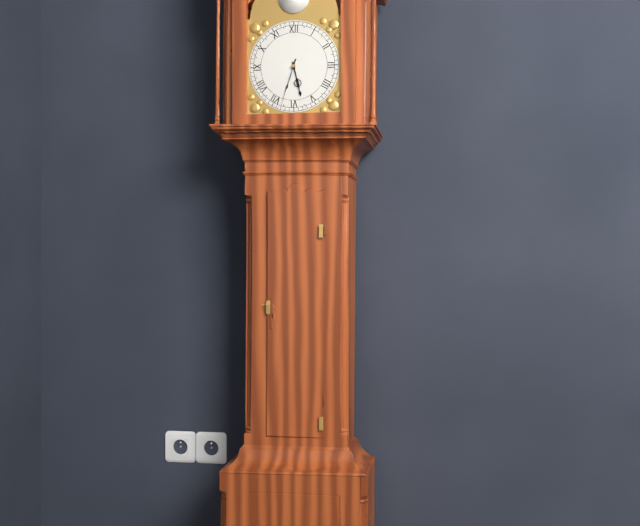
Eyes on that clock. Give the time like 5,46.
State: 5,33
